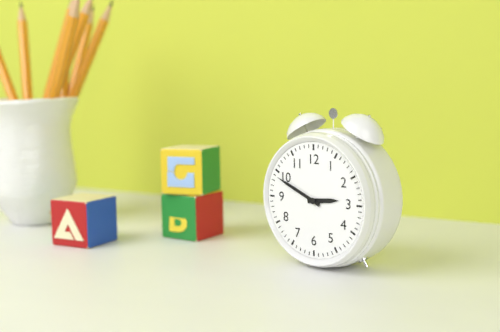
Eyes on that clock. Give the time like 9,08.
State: 2,49
